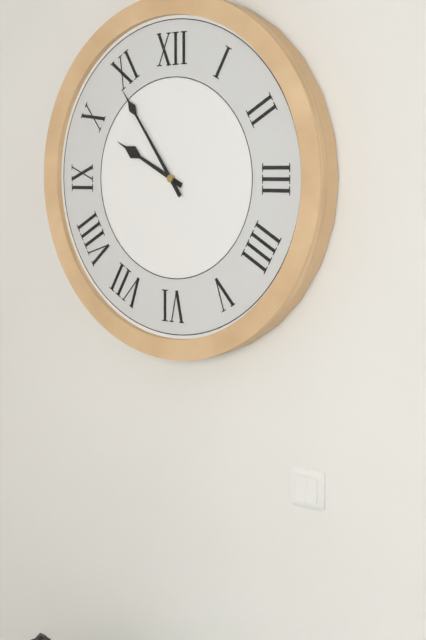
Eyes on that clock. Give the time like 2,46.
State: 9,54
